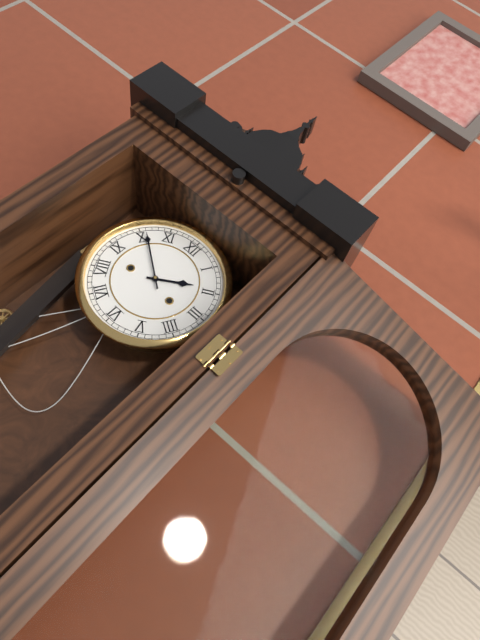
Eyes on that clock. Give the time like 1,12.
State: 1,51
